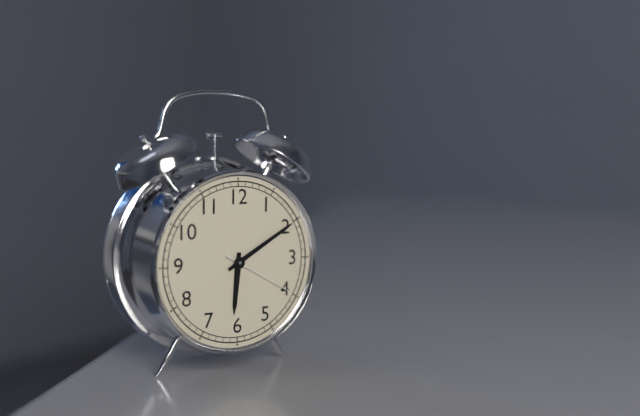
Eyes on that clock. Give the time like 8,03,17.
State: 6,10,20
